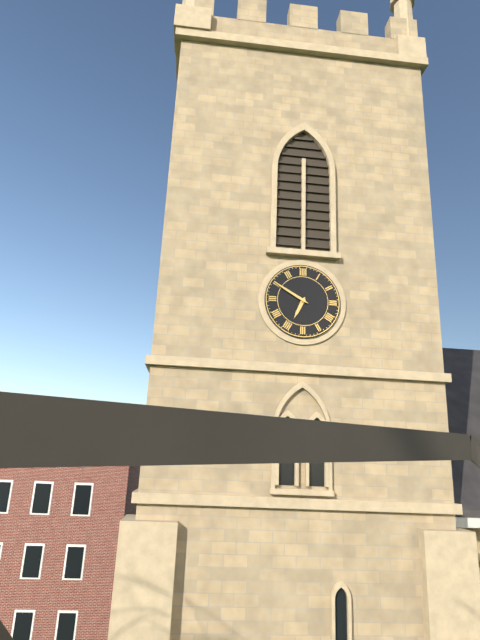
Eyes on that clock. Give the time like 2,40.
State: 6,50
